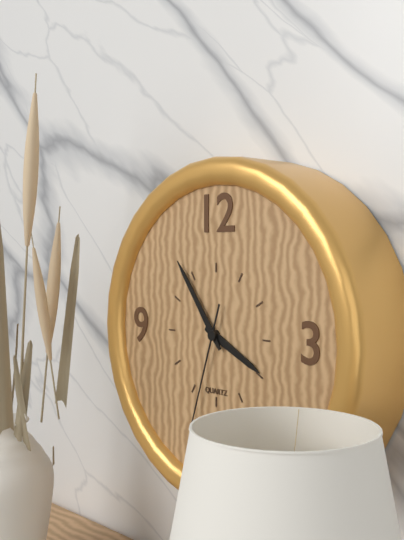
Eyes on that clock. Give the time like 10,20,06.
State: 3,54,33
